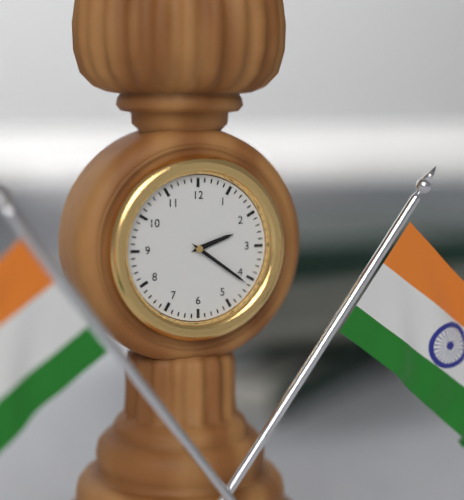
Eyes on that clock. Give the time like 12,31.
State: 2,21
